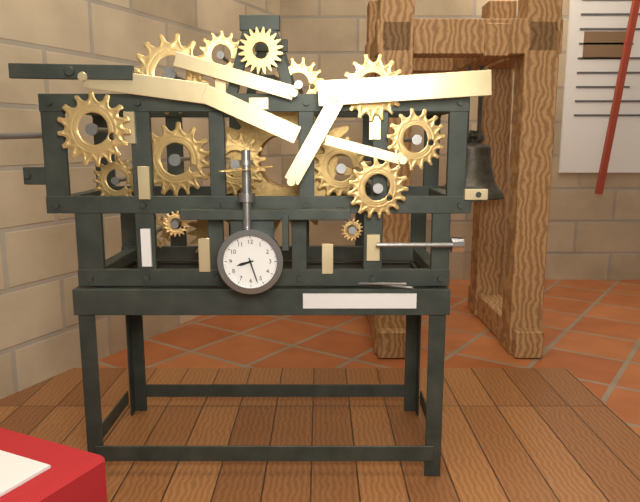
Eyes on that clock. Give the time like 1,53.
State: 8,27
